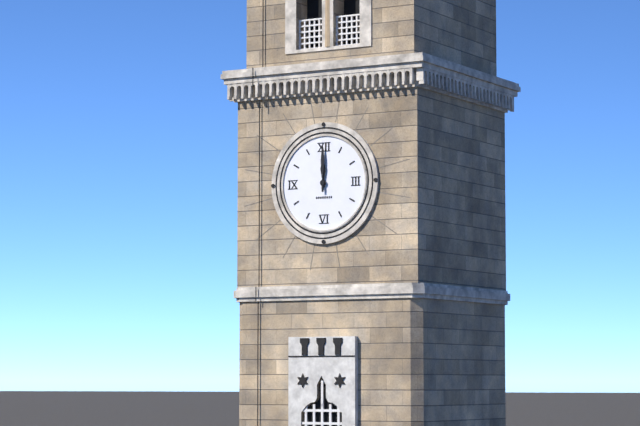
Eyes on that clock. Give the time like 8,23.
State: 12,00
